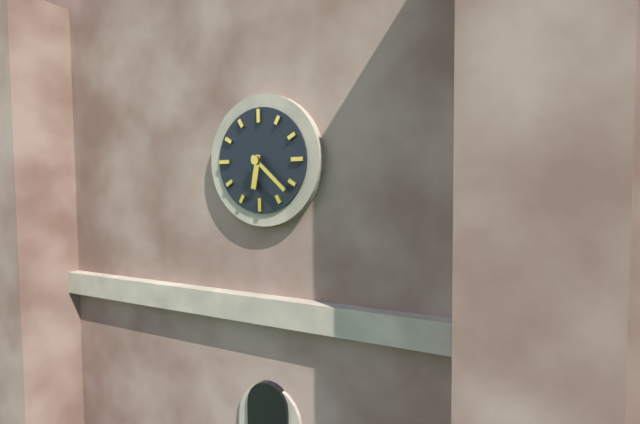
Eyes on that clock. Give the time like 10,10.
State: 6,22
